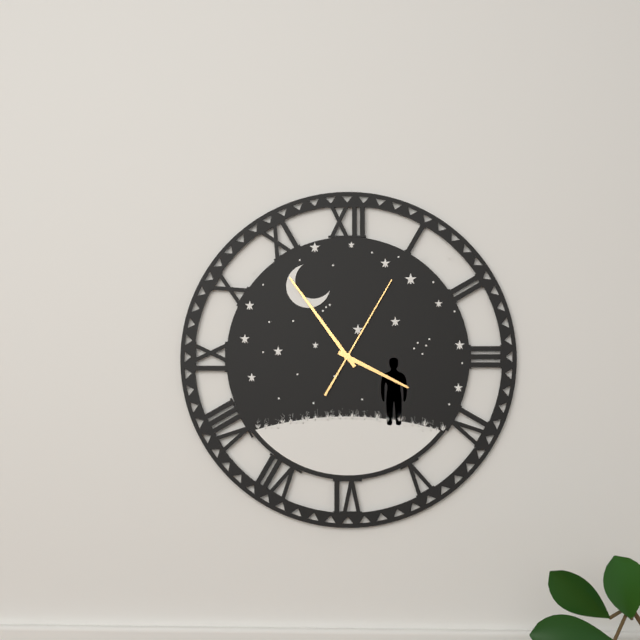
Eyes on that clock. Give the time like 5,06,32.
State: 3,54,05
